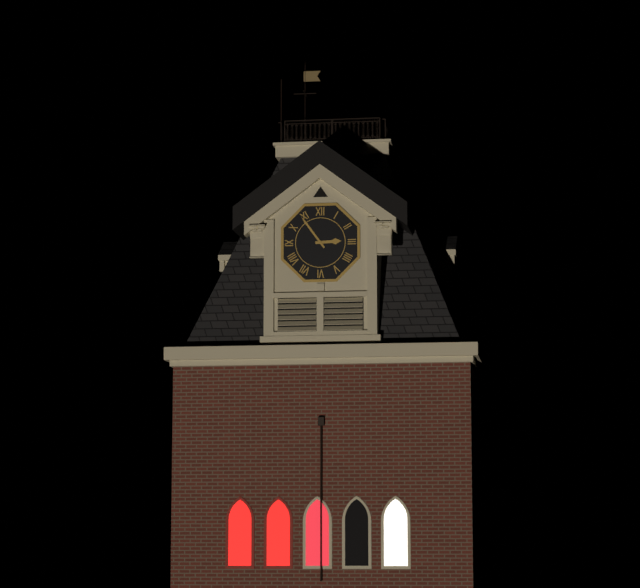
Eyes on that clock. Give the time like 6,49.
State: 2,54
